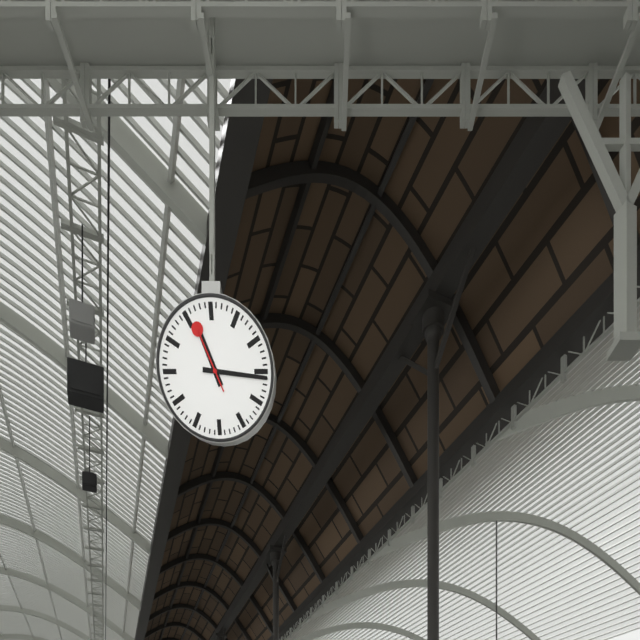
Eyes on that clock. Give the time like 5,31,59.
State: 11,16,56
